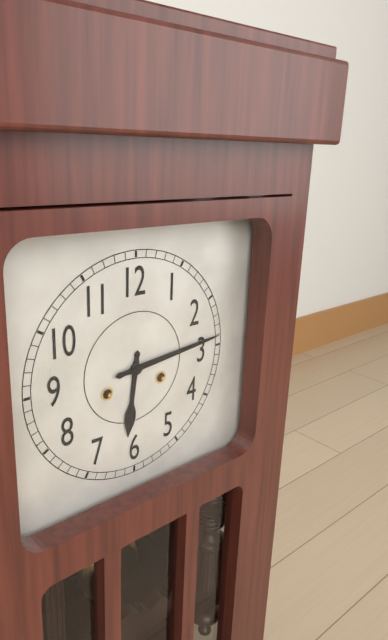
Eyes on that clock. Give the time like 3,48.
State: 6,14
